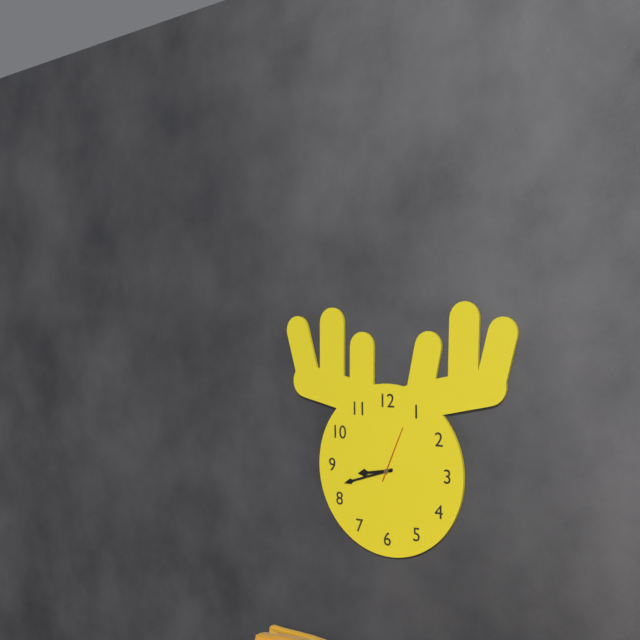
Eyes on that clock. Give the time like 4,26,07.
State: 8,42,04
